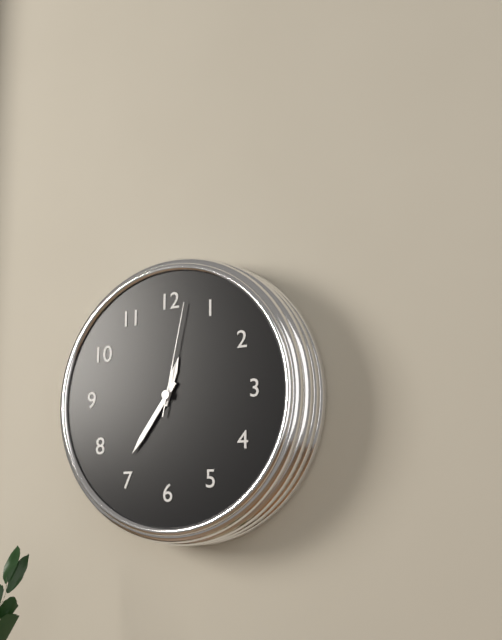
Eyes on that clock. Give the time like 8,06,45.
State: 12,36,02
